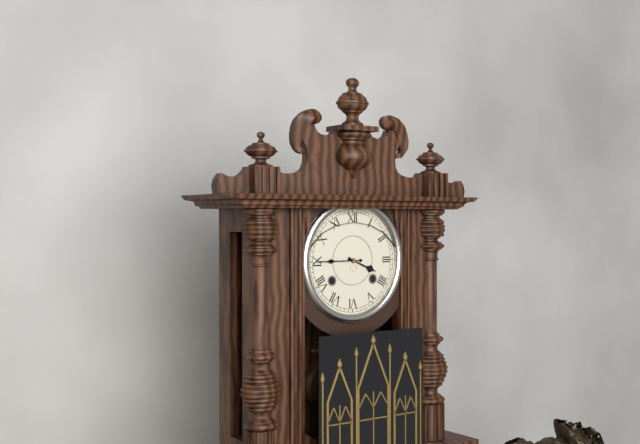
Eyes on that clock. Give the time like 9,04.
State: 3,45
